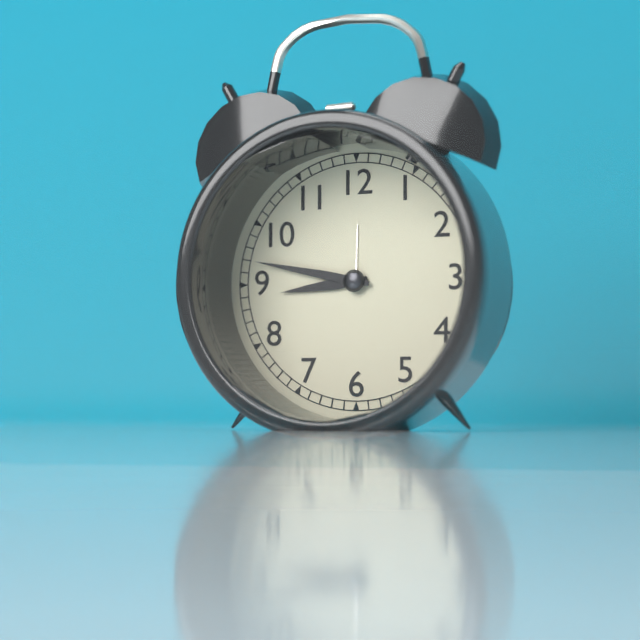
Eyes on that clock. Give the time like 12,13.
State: 8,47
